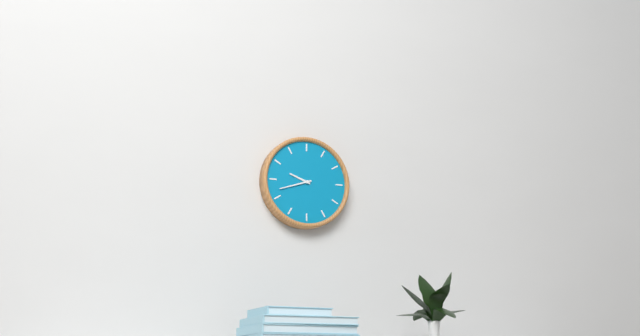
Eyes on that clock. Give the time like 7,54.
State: 9,42
